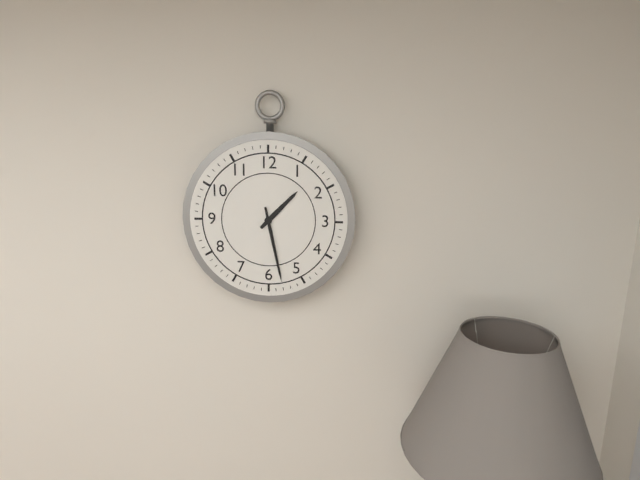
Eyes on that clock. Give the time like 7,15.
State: 1,28
